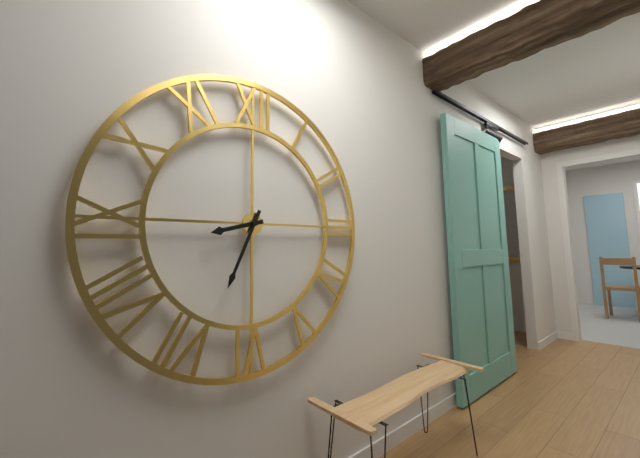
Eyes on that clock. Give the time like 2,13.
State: 8,34
